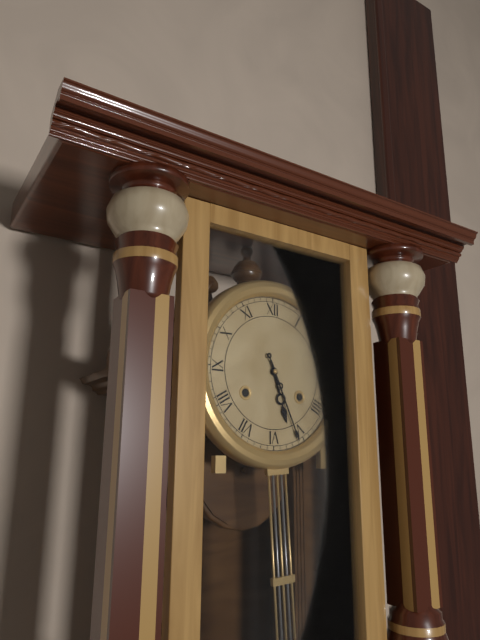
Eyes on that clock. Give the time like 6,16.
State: 5,26
